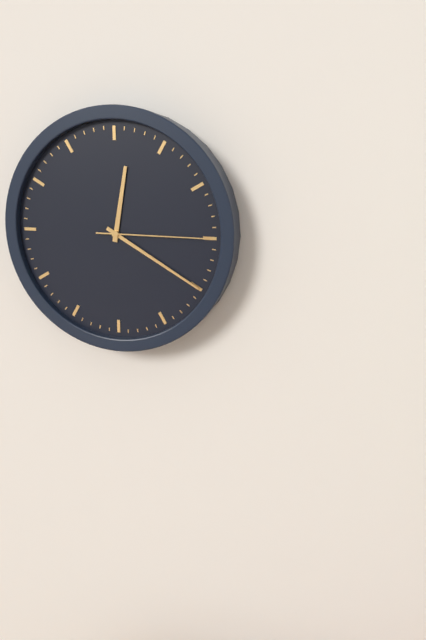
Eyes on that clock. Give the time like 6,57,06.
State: 12,20,15
